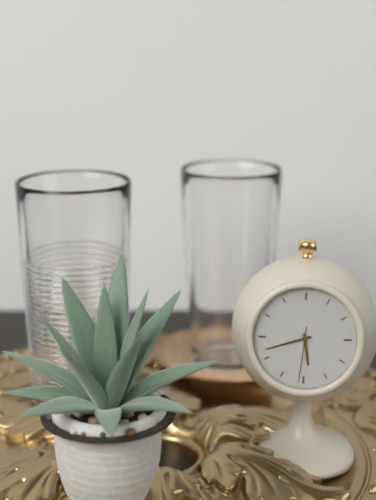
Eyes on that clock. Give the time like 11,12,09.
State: 5,42,31
